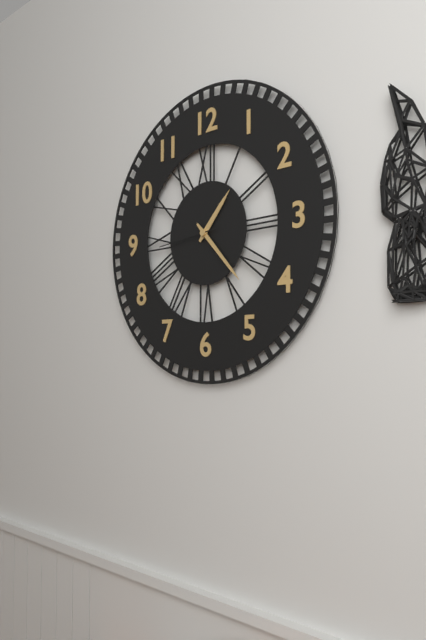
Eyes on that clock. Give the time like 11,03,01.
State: 1,23,44
